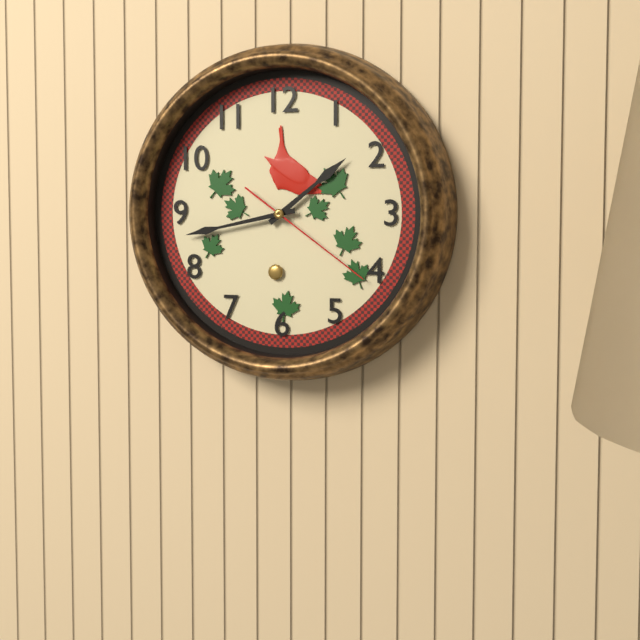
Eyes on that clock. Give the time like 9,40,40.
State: 1,43,21
